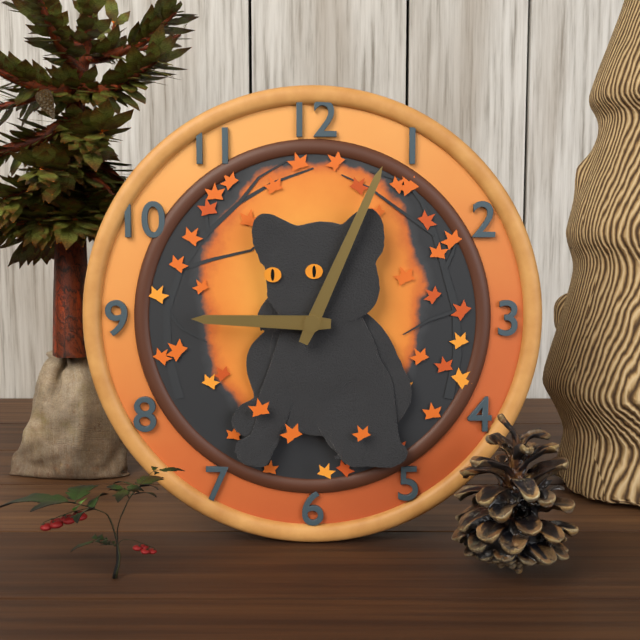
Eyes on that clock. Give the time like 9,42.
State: 9,04
